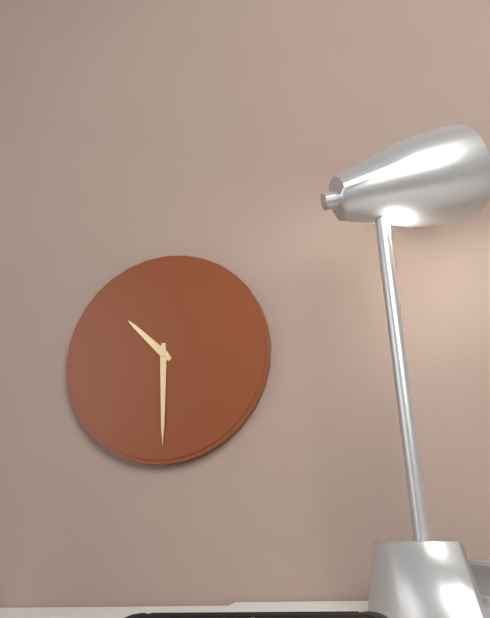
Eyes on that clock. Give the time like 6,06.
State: 10,30
